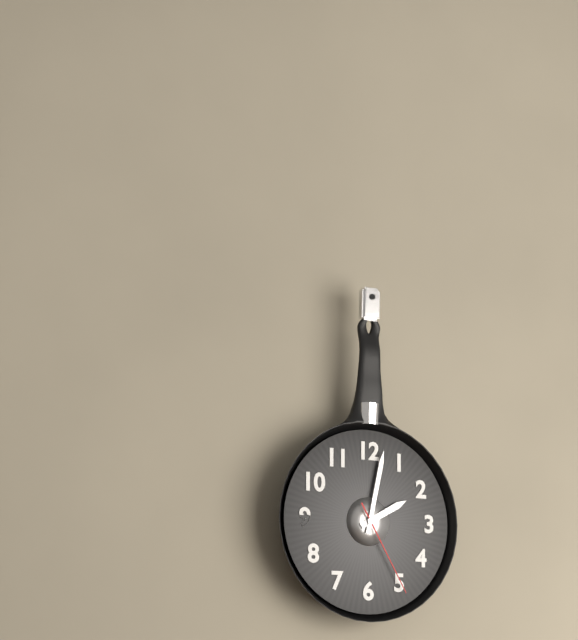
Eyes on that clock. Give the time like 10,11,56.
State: 2,02,25
